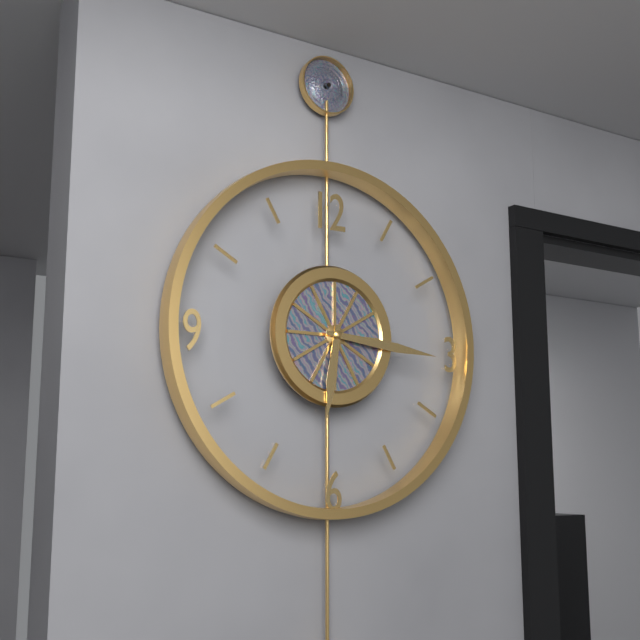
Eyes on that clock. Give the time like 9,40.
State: 6,16
